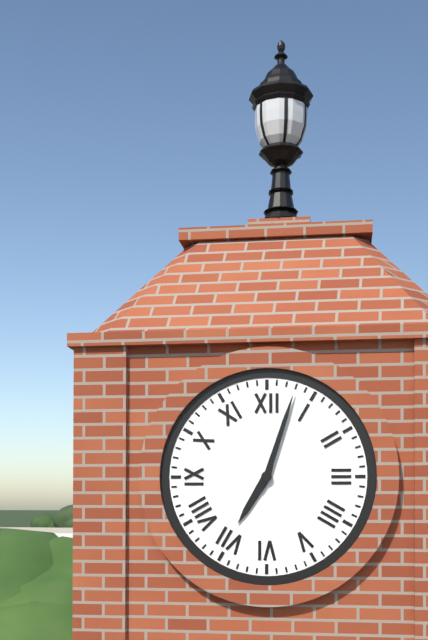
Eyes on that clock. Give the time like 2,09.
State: 7,03
